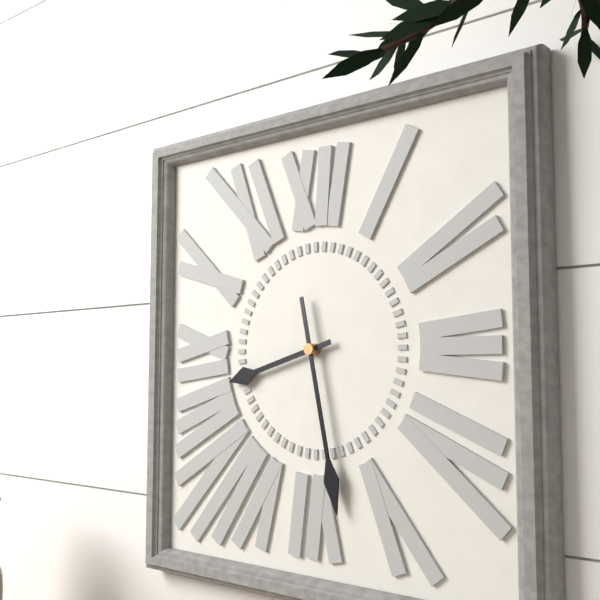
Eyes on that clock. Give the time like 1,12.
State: 8,28
